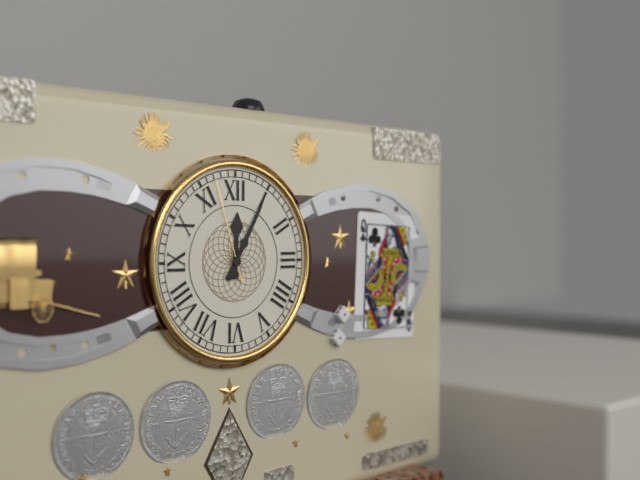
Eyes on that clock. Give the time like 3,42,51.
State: 12,05,57
